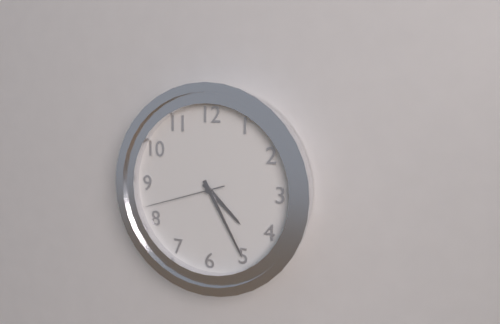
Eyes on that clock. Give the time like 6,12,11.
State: 4,25,42
